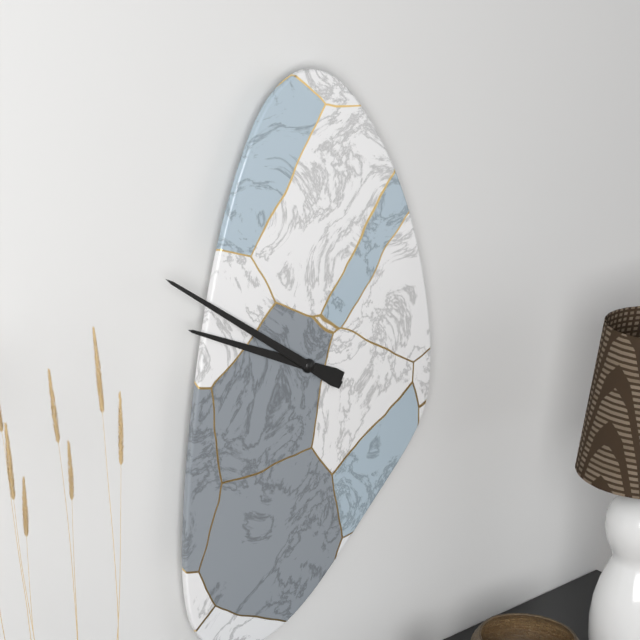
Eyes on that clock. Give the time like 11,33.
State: 9,51
